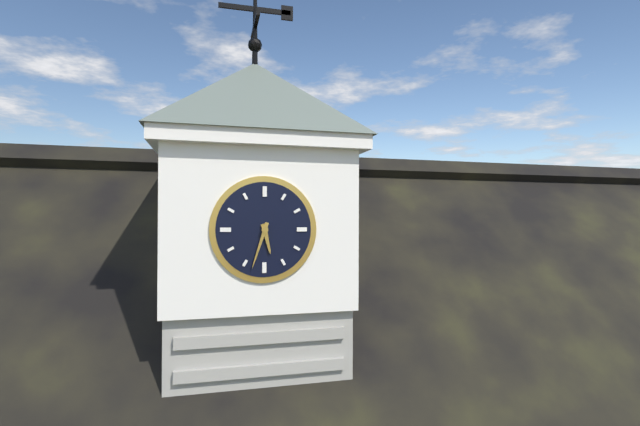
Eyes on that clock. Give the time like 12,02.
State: 5,33
